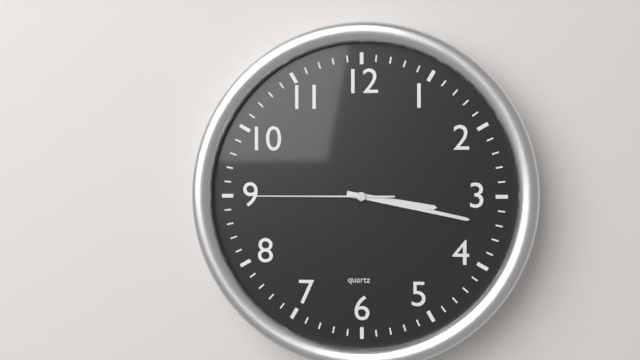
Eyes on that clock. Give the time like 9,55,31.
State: 3,17,45
